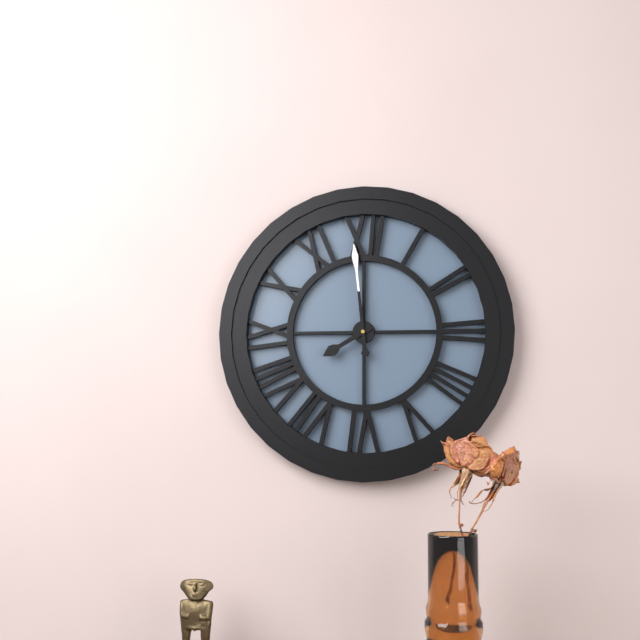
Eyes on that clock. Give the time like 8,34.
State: 7,59
